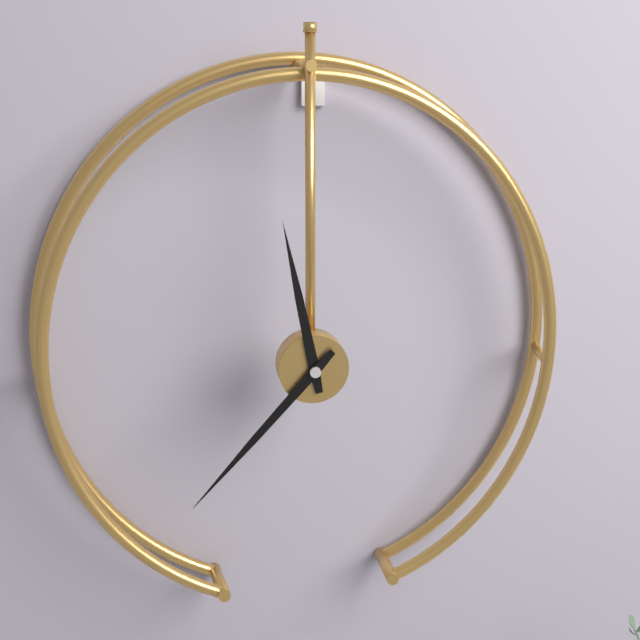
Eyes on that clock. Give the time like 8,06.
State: 11,37
